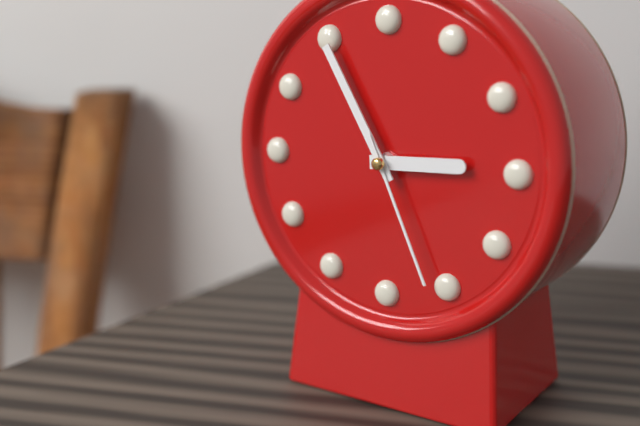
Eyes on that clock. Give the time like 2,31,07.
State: 2,55,26
